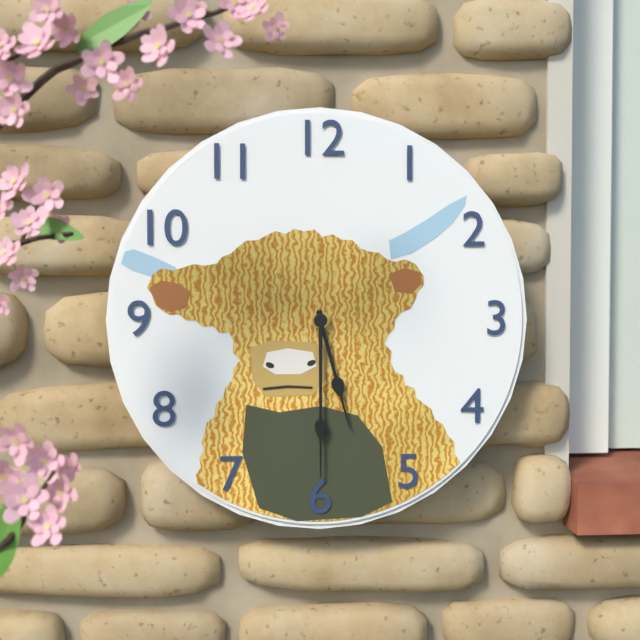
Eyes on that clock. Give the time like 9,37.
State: 5,30
